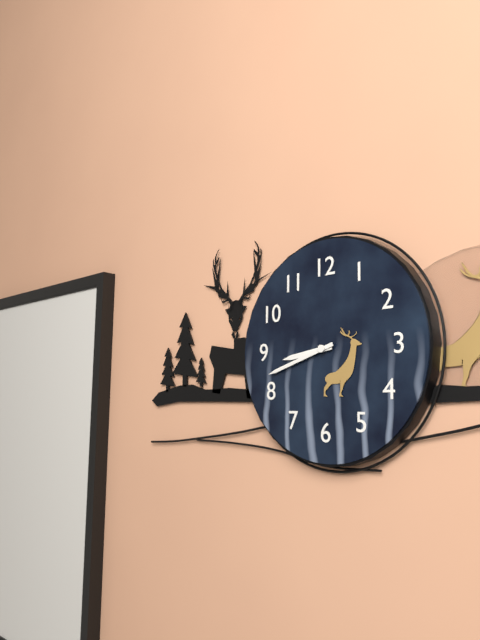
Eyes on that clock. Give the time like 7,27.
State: 8,42
